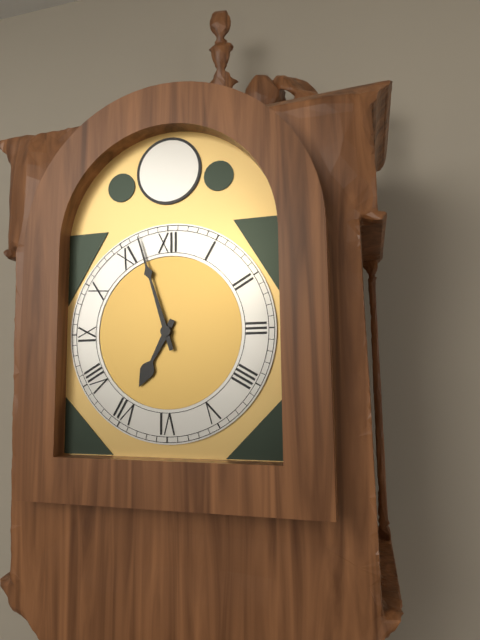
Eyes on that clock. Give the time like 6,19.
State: 6,57
